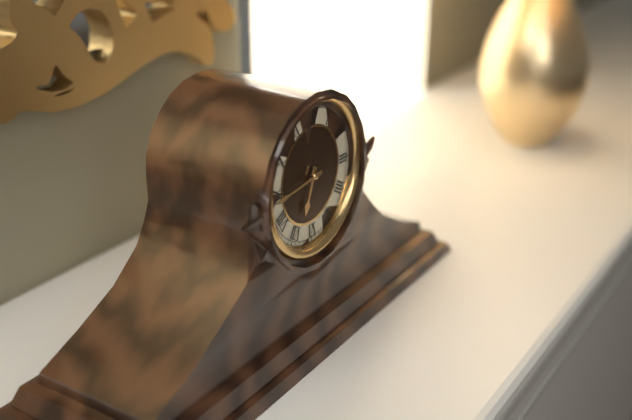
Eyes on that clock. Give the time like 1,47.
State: 6,44
